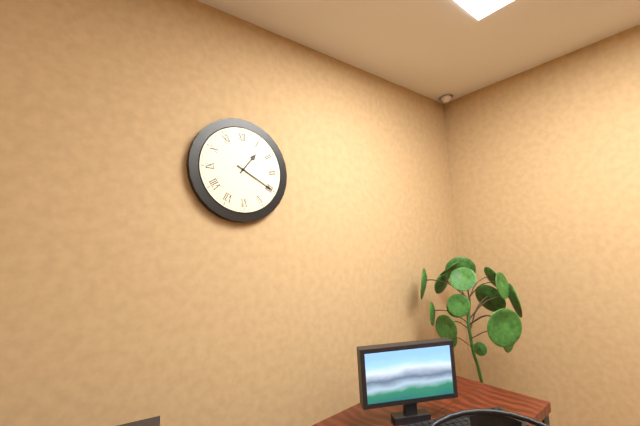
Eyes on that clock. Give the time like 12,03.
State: 1,20
